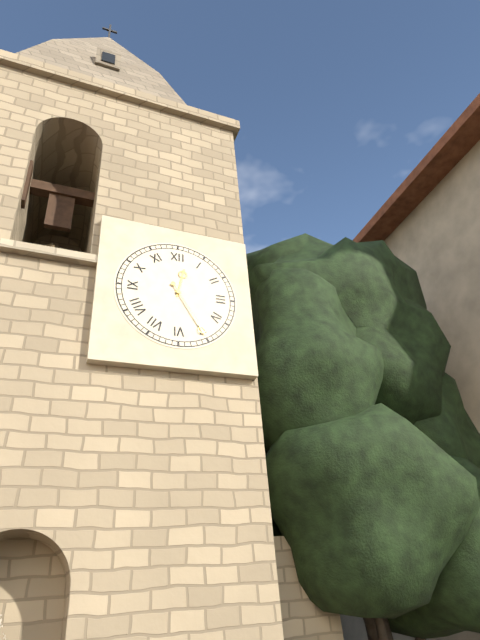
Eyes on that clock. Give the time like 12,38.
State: 12,25
